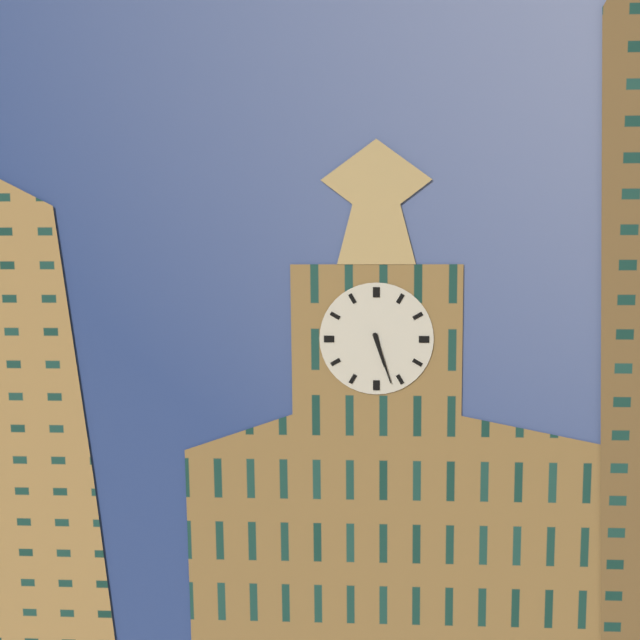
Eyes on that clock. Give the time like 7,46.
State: 5,27
